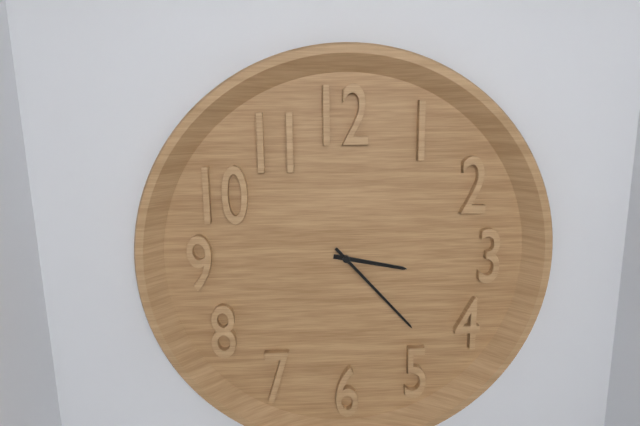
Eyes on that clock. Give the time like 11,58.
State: 3,23
